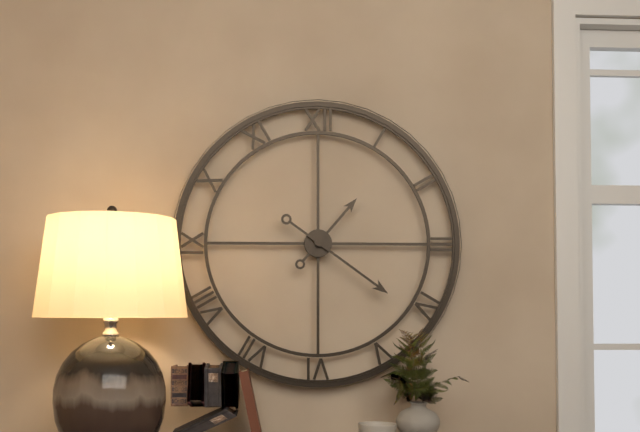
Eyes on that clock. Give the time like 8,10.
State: 1,21
